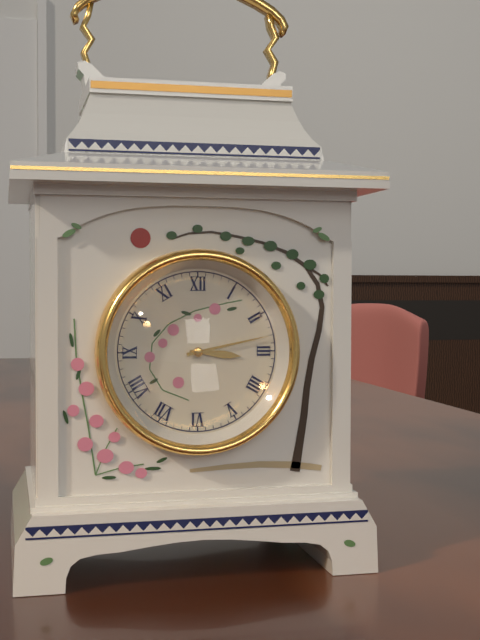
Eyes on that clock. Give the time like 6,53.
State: 3,13
